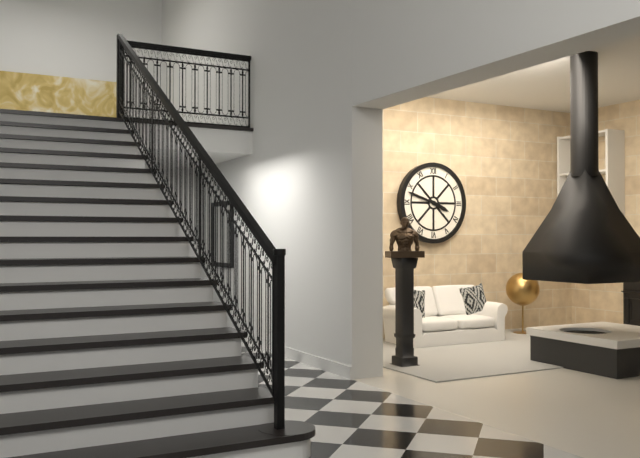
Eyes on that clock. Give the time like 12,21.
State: 3,48
